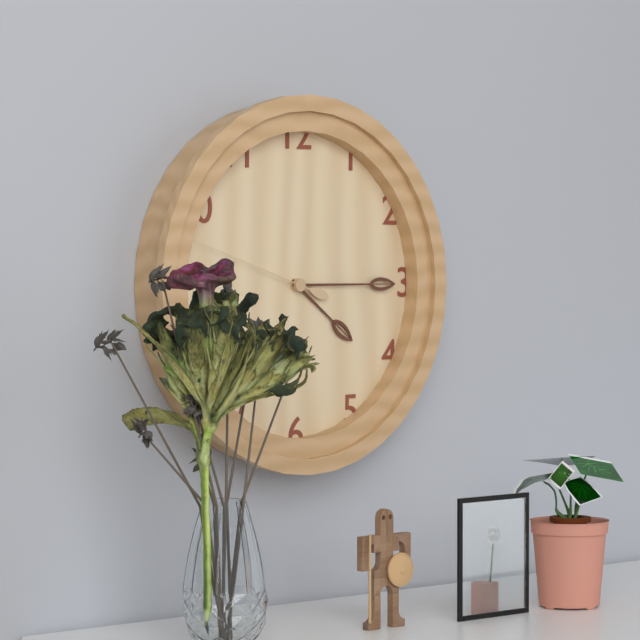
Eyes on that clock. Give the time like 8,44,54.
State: 4,15,48
